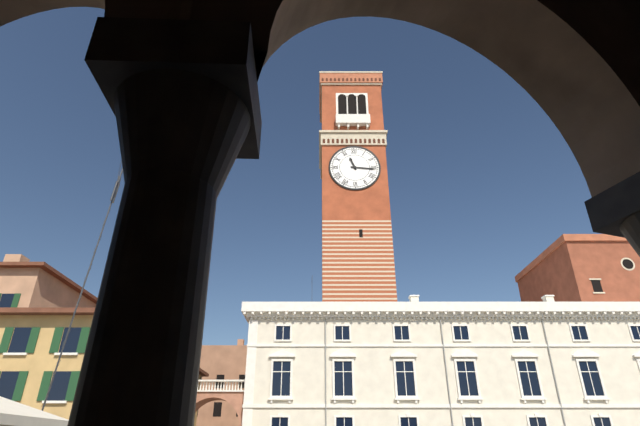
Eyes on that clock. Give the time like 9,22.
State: 11,16
